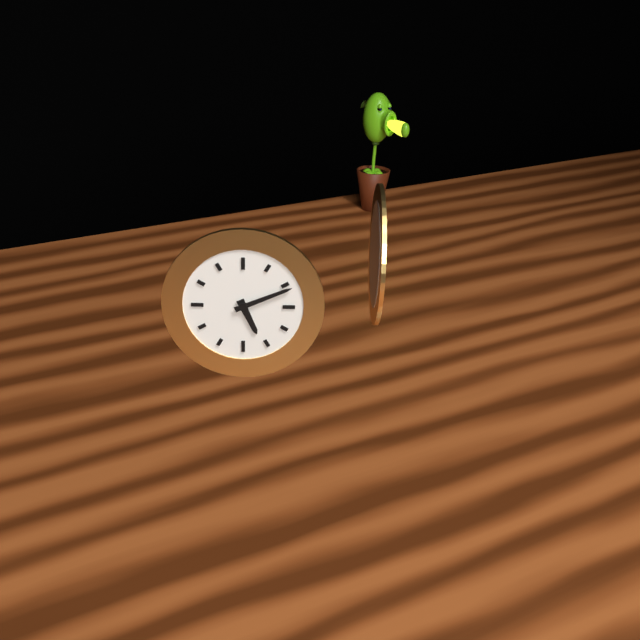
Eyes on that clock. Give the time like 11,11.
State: 5,11
